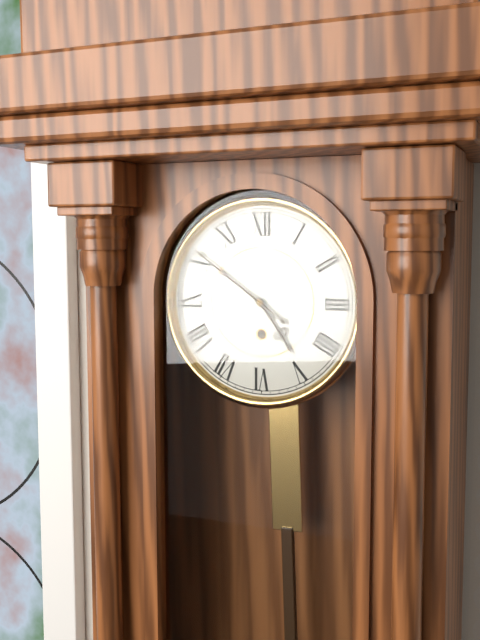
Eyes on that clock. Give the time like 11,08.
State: 4,51
